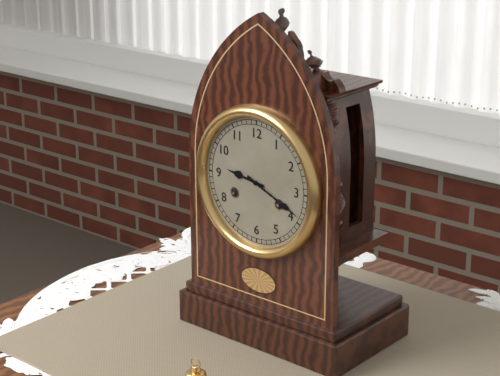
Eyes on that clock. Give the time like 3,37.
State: 9,19
